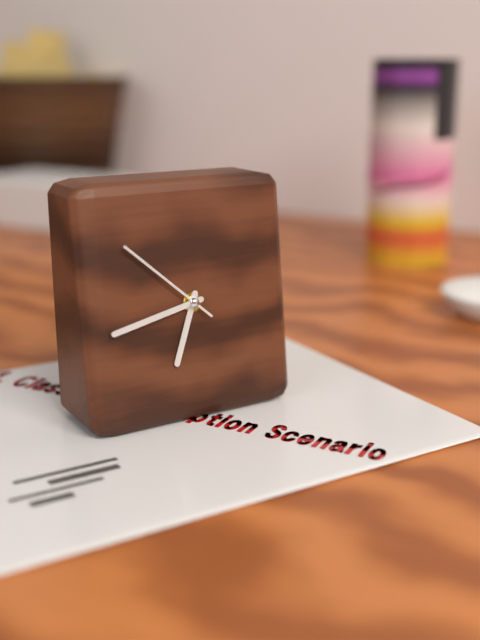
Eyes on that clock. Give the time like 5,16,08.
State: 6,43,52
